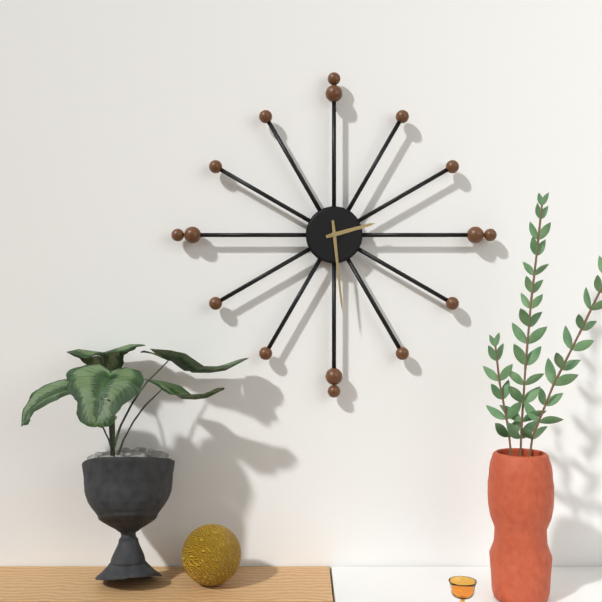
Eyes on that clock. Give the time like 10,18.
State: 2,29
